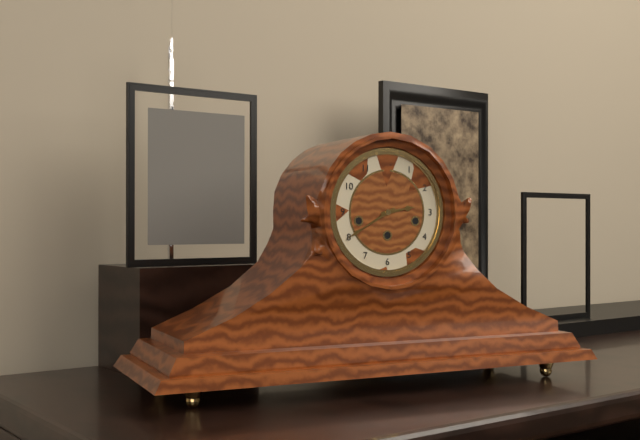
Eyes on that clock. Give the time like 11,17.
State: 2,40
